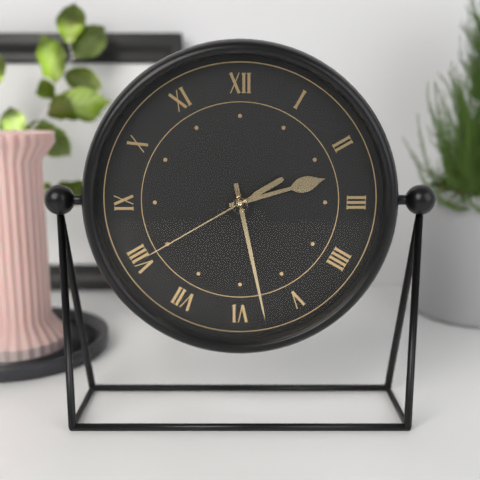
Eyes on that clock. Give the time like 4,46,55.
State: 2,28,40
